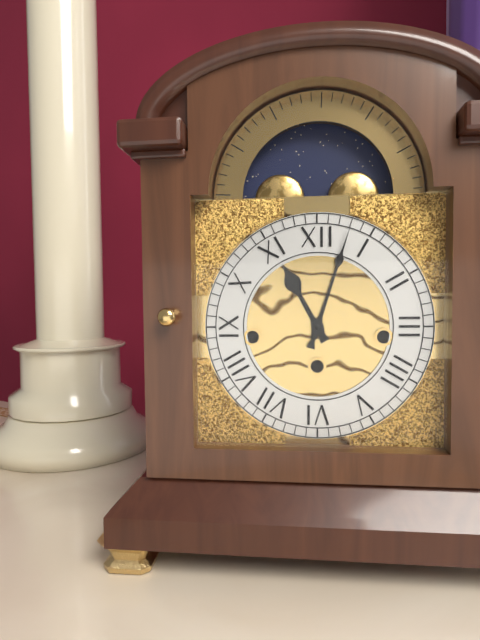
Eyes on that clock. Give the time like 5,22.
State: 11,03
